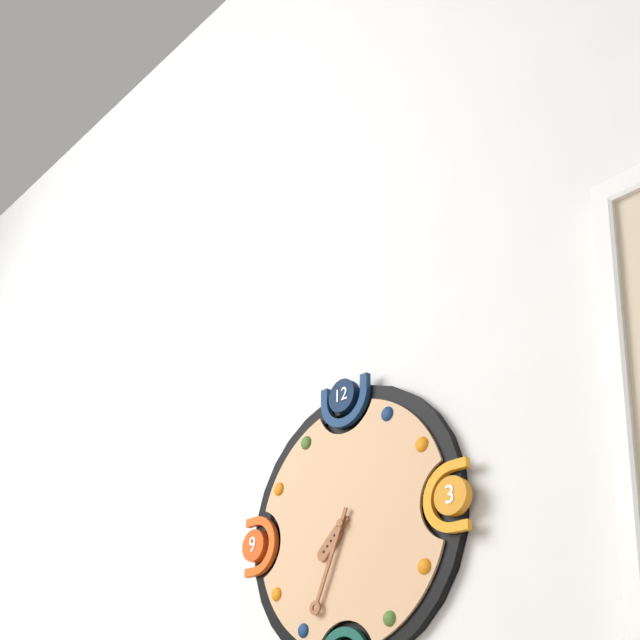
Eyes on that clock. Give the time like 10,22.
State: 7,34
